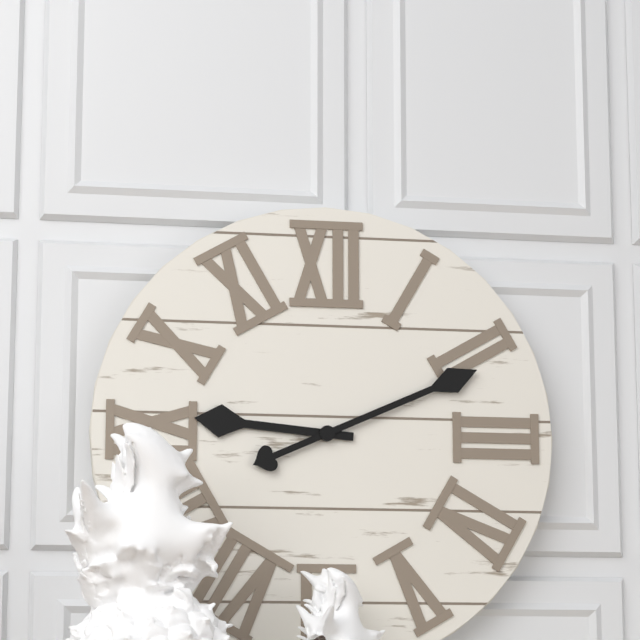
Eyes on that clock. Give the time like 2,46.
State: 9,11
